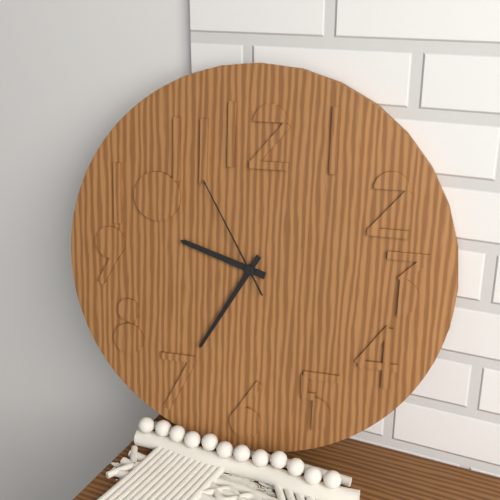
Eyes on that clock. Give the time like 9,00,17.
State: 9,35,55
